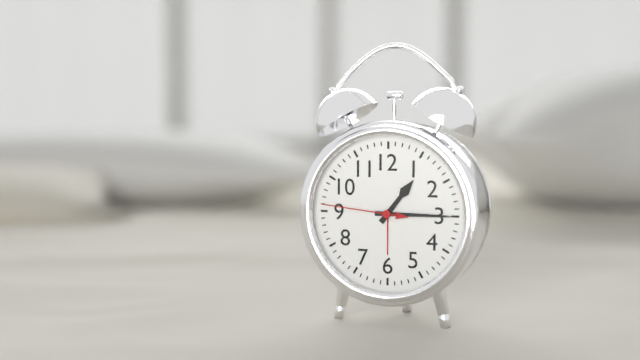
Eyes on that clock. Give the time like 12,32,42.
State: 1,15,46
